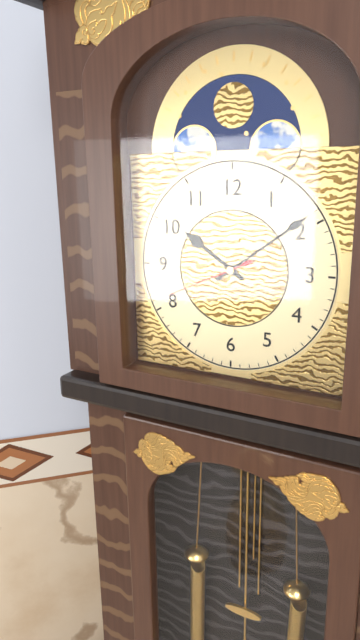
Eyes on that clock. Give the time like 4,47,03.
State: 10,09,41
